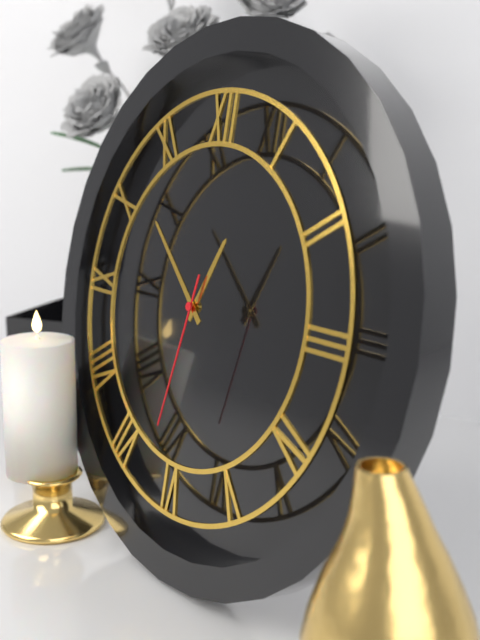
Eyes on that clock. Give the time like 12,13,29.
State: 12,52,32
